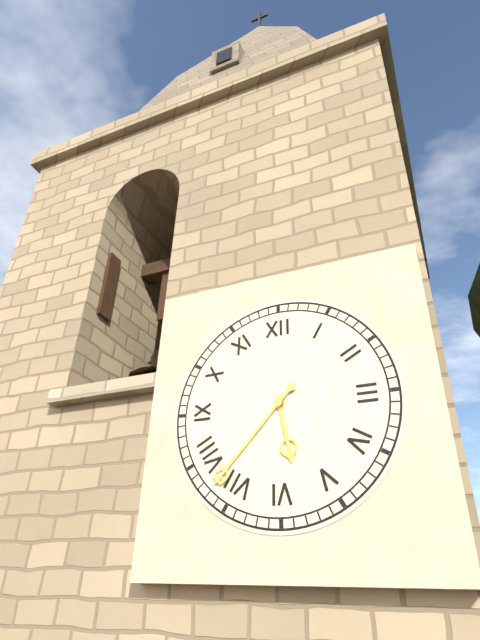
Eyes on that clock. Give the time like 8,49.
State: 5,37
